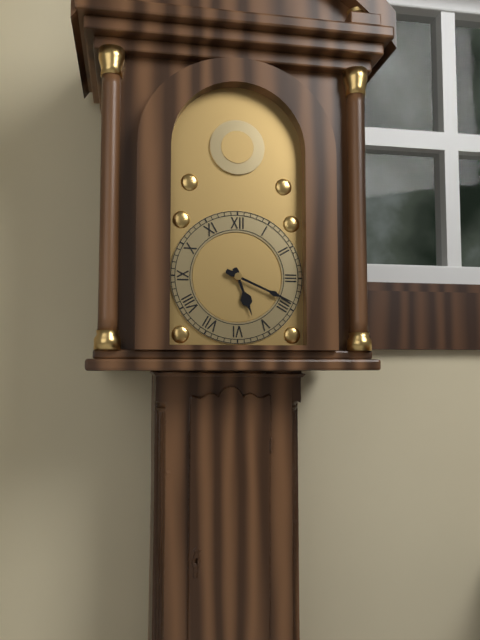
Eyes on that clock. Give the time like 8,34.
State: 5,19
